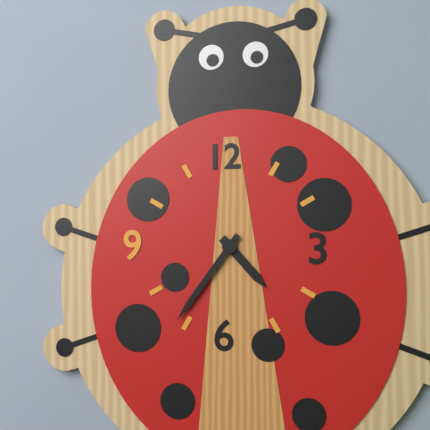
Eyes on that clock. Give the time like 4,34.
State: 4,36
